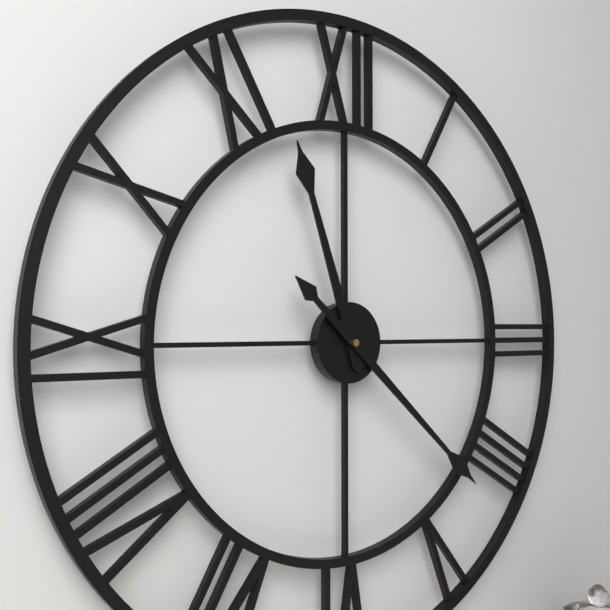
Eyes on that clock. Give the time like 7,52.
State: 11,22
